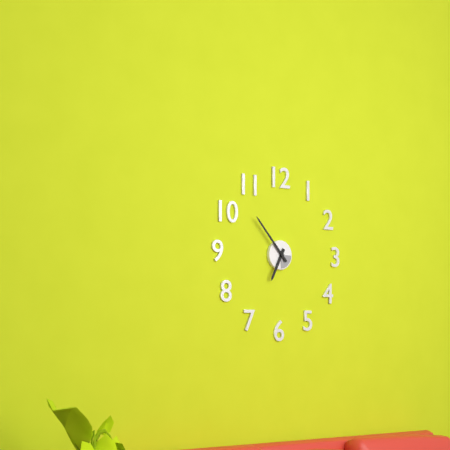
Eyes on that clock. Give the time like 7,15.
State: 6,53
